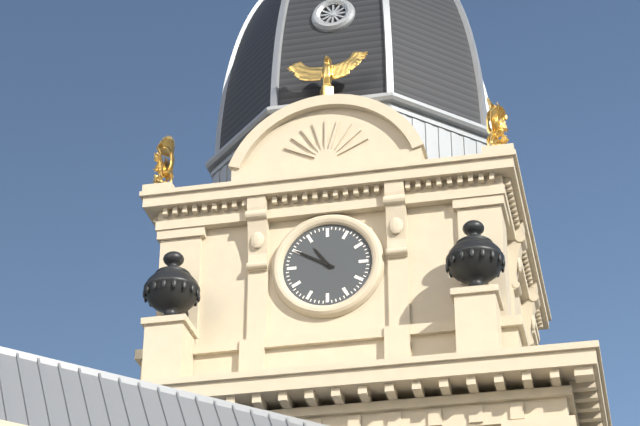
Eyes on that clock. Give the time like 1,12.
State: 10,50
